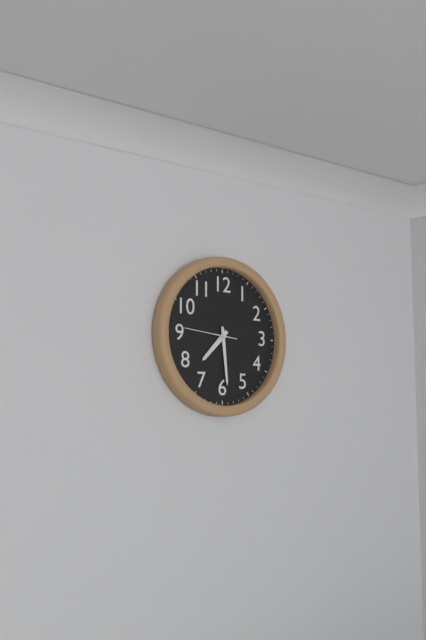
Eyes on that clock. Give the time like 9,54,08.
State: 7,29,46
